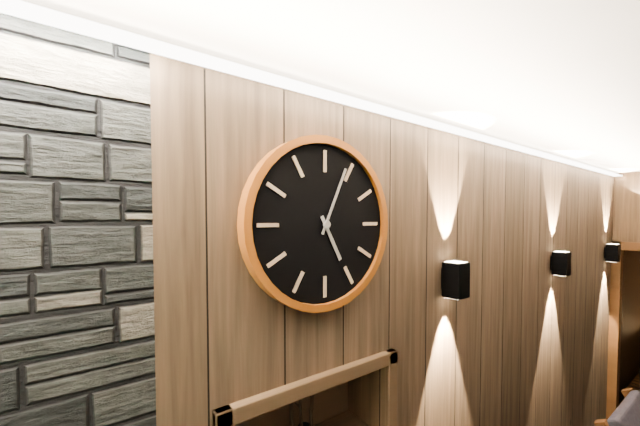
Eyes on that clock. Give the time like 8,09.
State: 5,04
